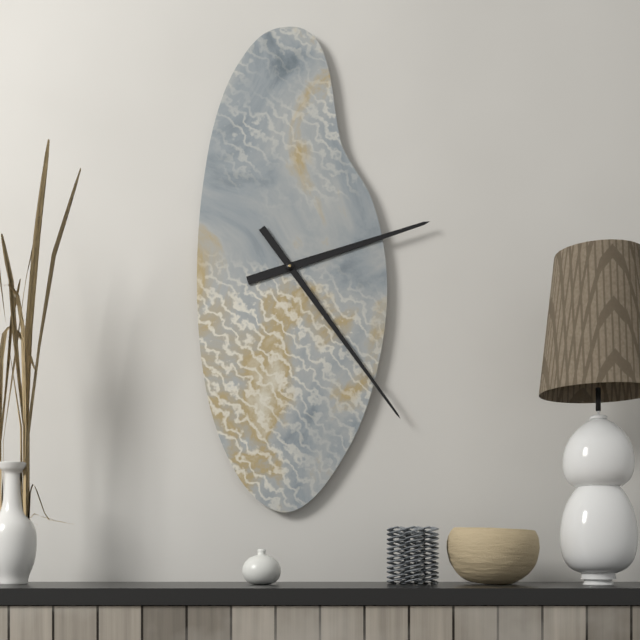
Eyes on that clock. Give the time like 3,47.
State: 2,24
